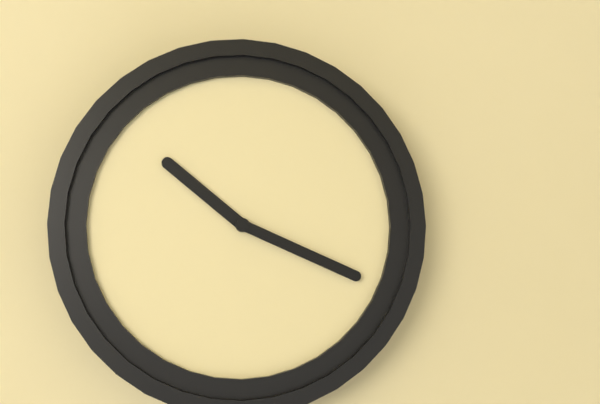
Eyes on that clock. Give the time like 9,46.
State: 10,19
